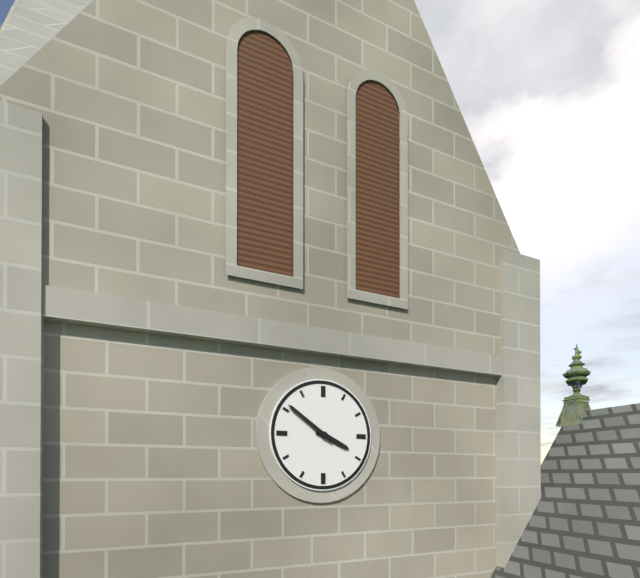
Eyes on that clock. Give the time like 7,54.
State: 3,51
